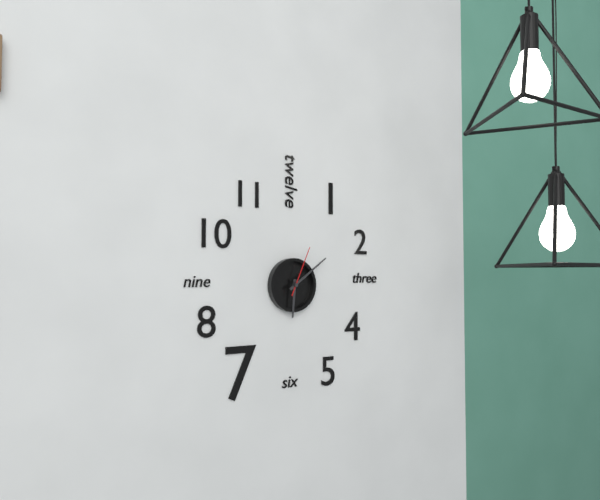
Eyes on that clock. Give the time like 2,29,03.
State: 6,09,04
